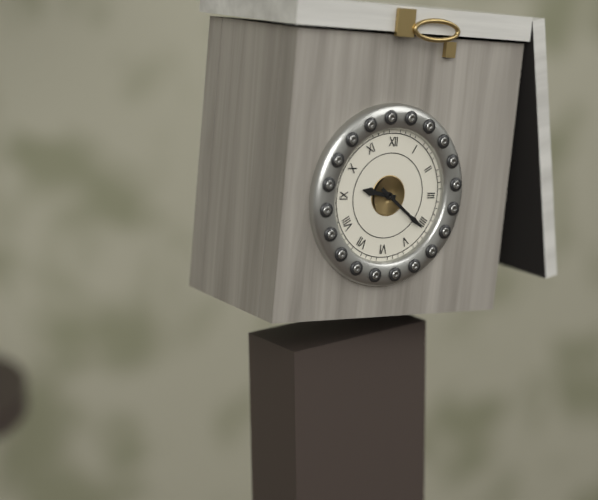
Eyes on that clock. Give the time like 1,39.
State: 9,21
